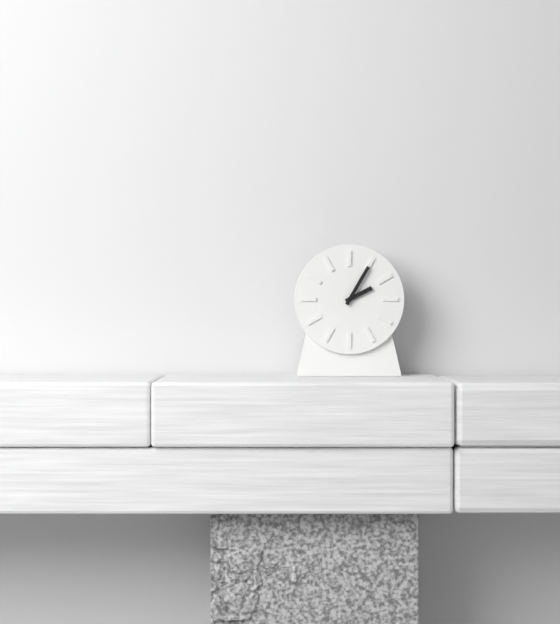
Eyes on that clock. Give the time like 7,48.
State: 2,05
